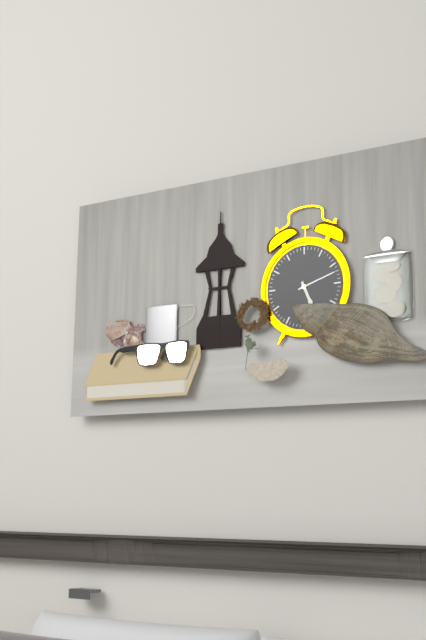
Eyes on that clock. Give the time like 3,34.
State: 5,12
